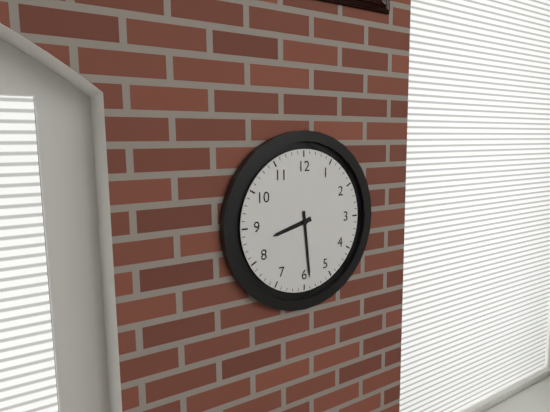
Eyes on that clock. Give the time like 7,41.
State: 8,29
